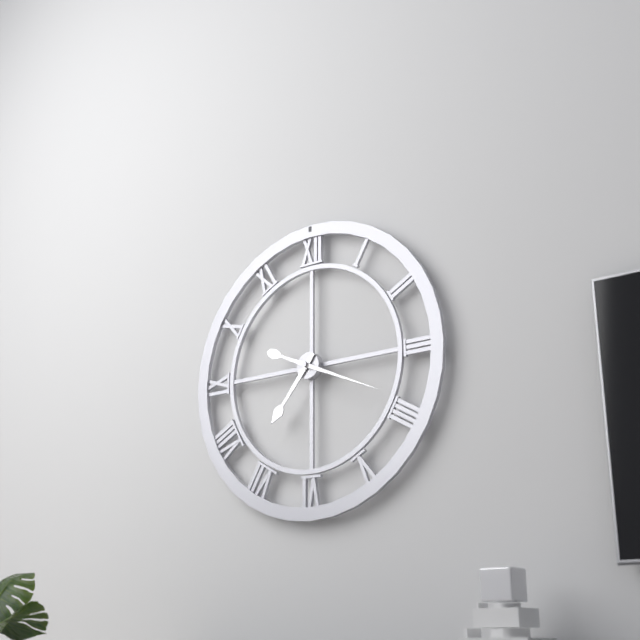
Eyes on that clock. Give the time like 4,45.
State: 7,19
